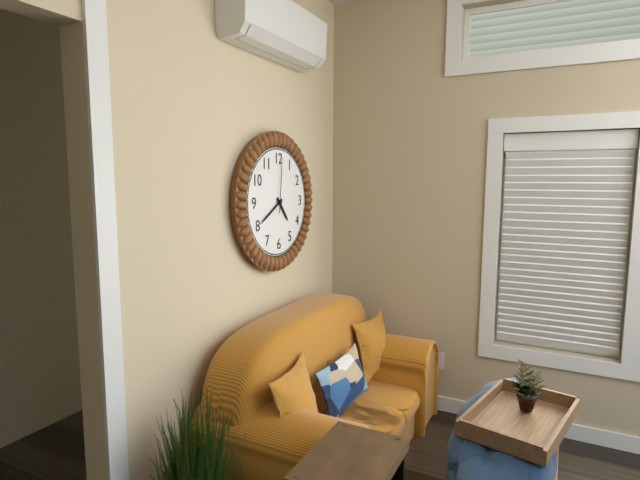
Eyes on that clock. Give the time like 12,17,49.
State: 4,40,01
